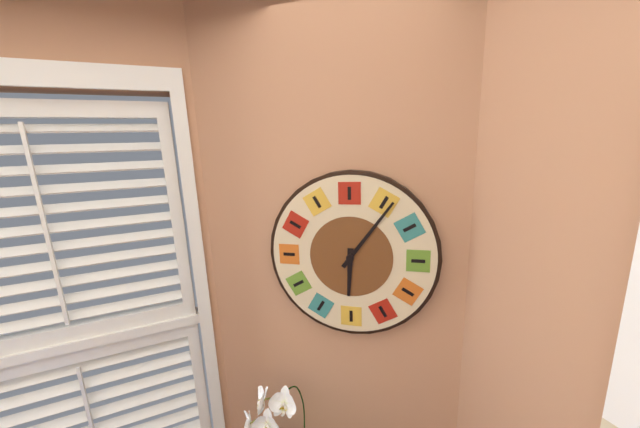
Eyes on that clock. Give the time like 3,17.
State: 6,06
